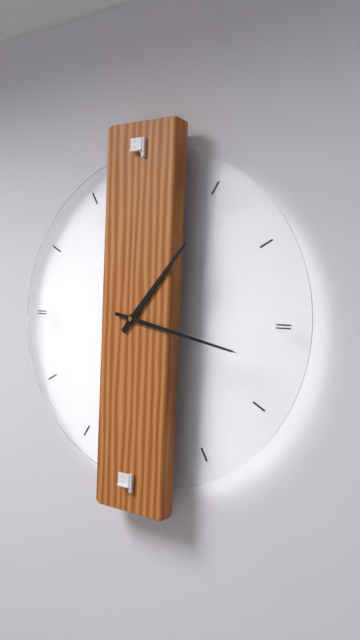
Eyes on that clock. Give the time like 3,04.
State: 1,17
